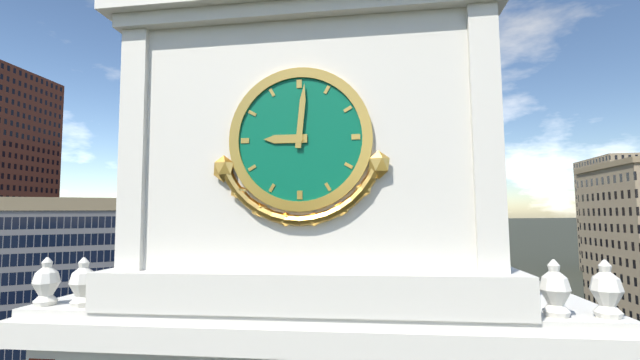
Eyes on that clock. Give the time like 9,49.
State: 9,01
